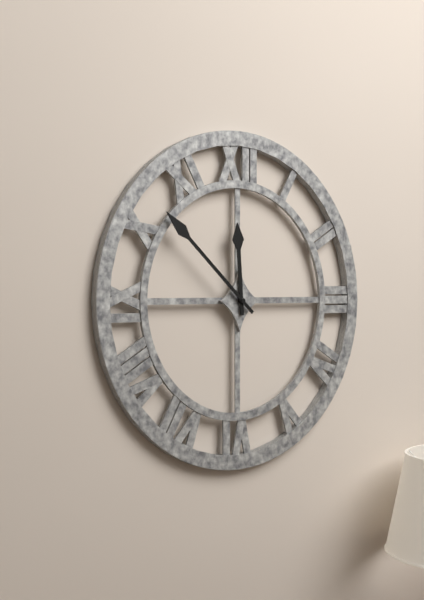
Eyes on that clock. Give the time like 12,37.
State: 11,52
